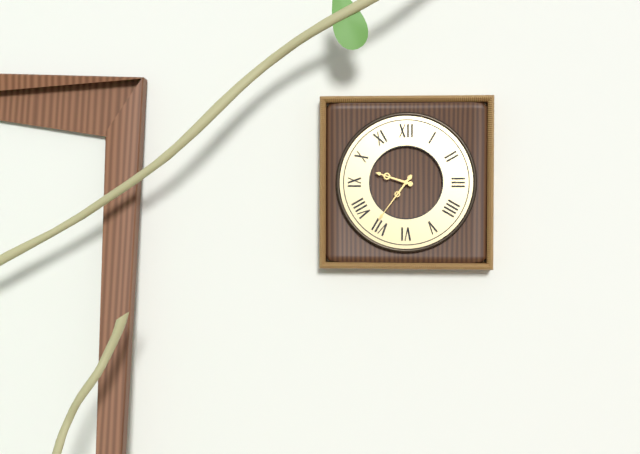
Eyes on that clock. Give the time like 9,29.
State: 9,36
